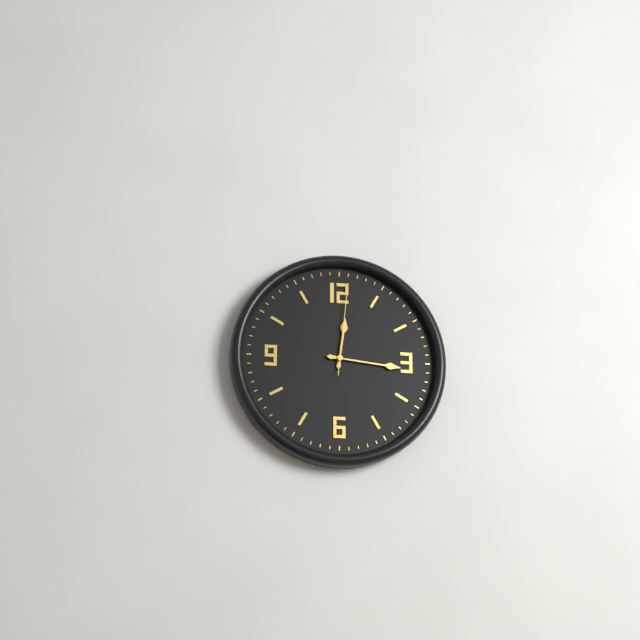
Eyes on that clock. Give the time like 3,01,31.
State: 12,16,01
